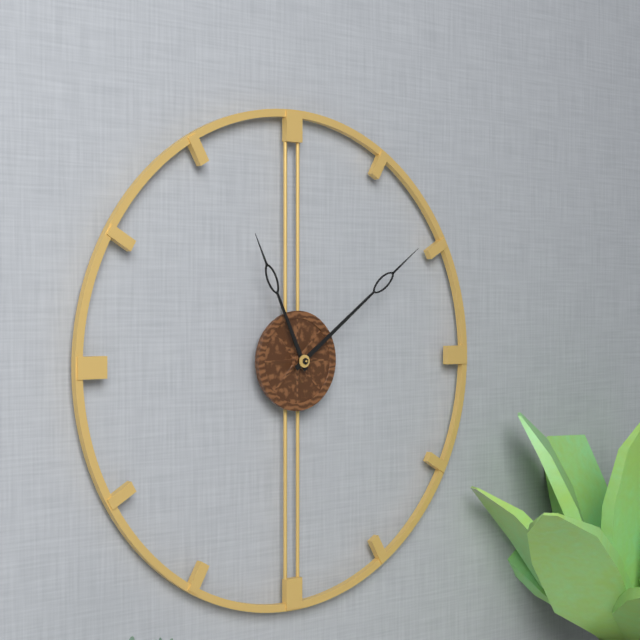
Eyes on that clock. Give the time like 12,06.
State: 11,09
